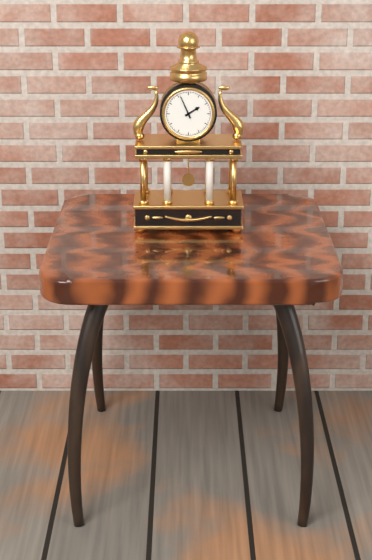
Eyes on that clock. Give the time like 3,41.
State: 1,56
